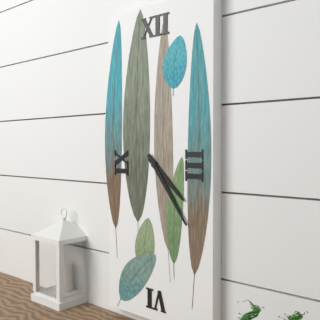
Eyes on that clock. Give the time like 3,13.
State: 4,24
